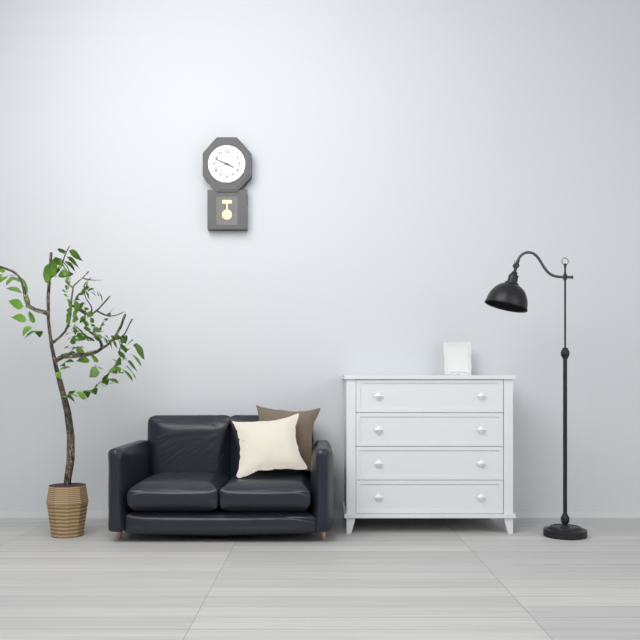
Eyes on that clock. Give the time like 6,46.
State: 3,49
